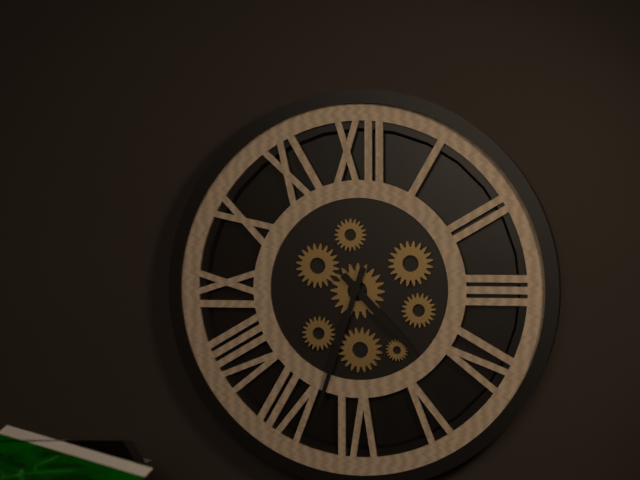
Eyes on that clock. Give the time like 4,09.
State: 4,33
